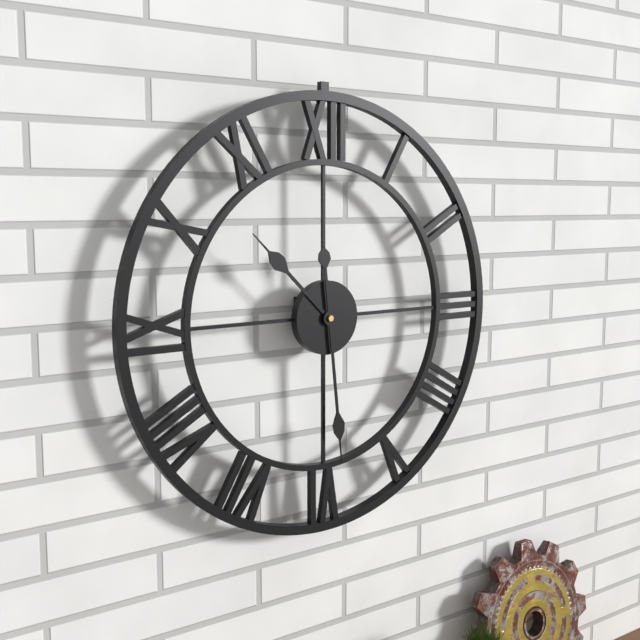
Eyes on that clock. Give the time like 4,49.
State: 10,29
